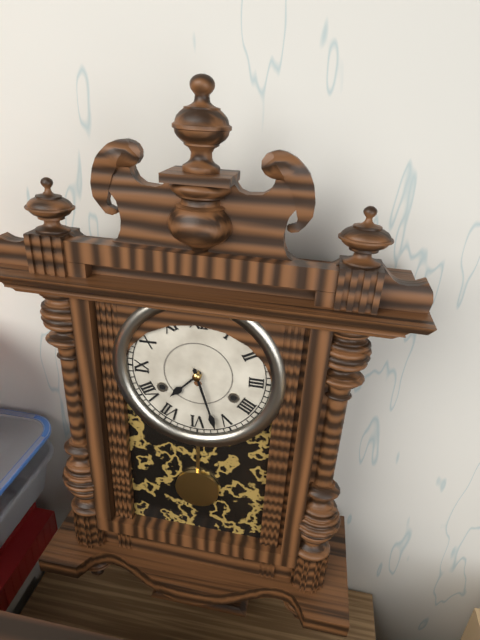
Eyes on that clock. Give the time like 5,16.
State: 7,27
